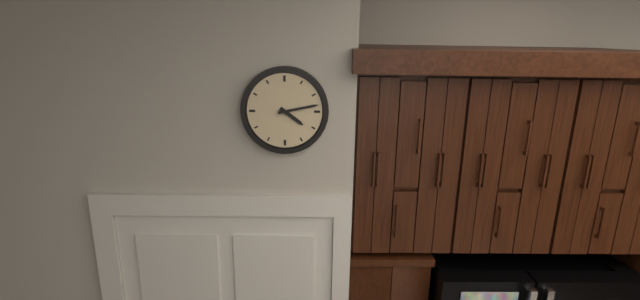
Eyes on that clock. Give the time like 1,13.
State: 4,13
